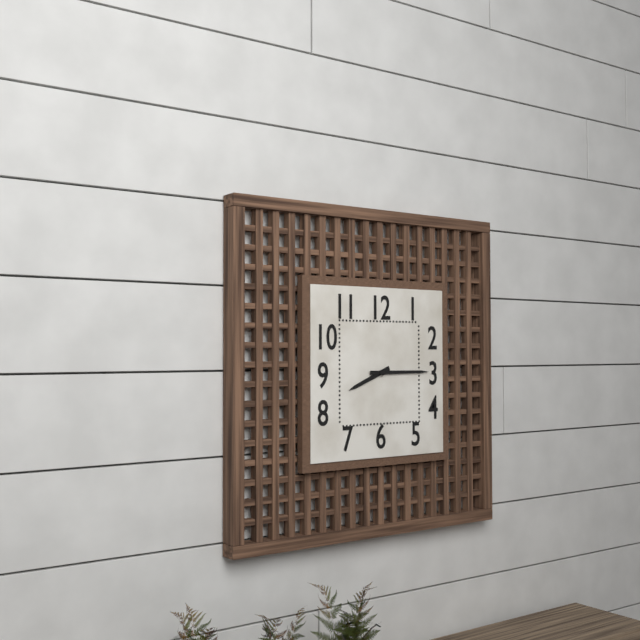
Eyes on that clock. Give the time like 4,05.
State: 8,15
